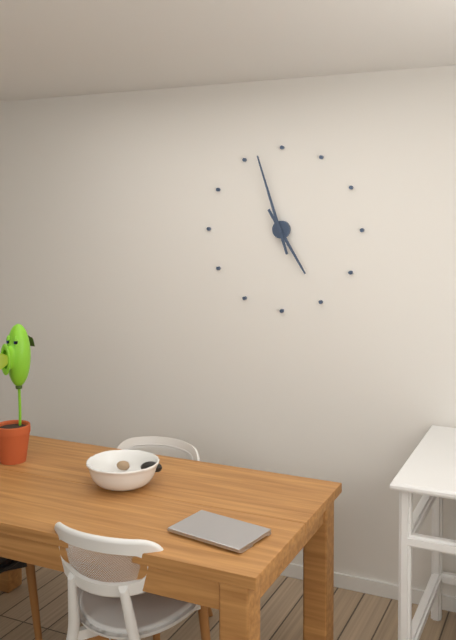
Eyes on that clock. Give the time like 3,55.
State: 4,57
